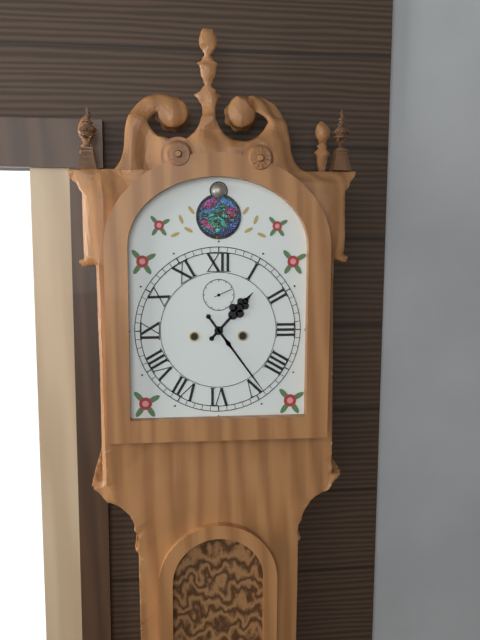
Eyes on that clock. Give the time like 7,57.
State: 1,24
